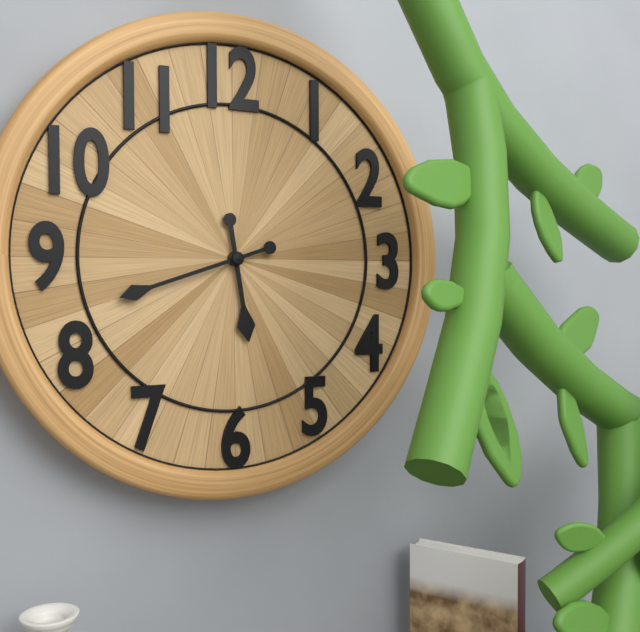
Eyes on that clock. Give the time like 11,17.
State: 5,42
